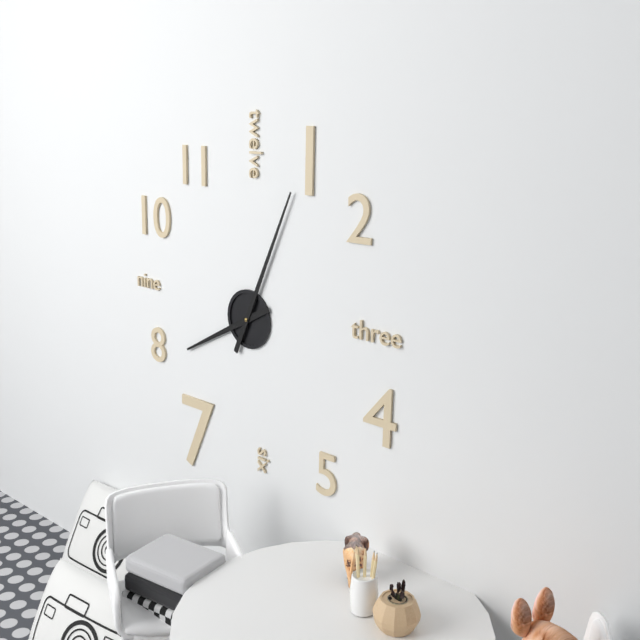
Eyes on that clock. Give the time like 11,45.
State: 8,04
